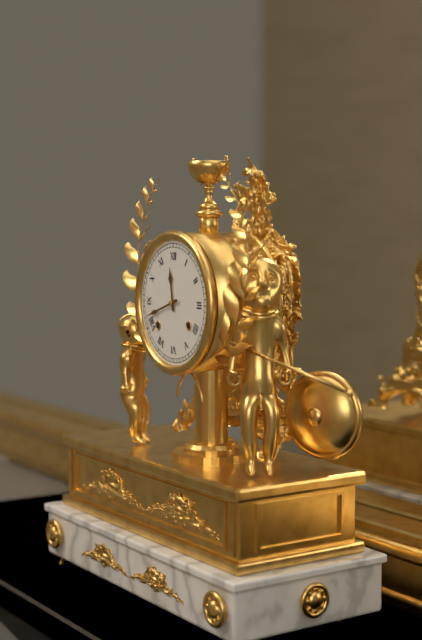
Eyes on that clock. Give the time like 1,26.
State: 11,42
